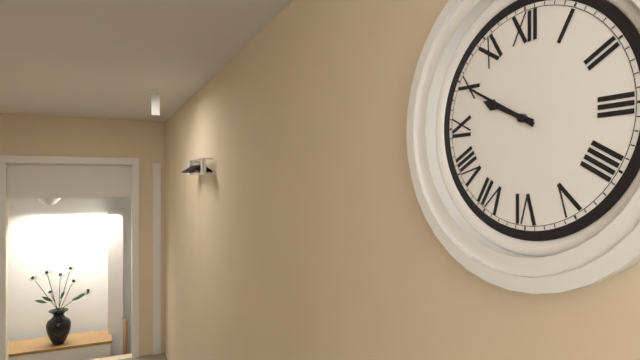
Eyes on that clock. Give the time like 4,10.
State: 9,50
